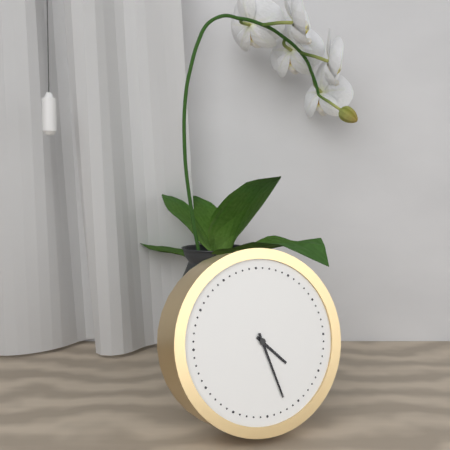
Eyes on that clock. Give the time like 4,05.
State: 4,27
